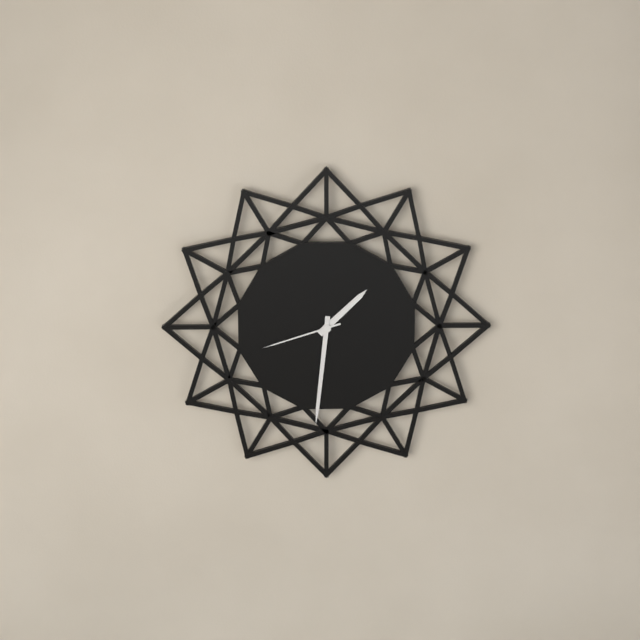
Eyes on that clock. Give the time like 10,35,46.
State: 1,31,42
